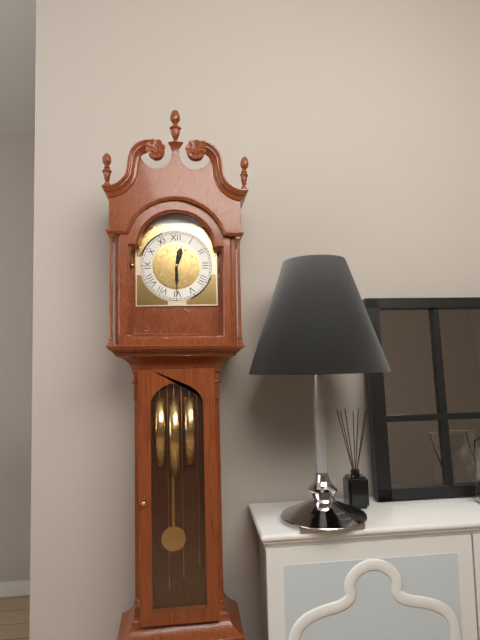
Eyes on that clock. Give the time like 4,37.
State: 12,30
